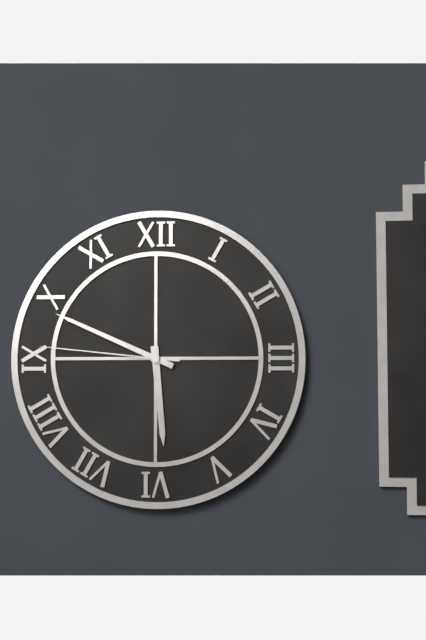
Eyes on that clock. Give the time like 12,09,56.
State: 5,49,46
